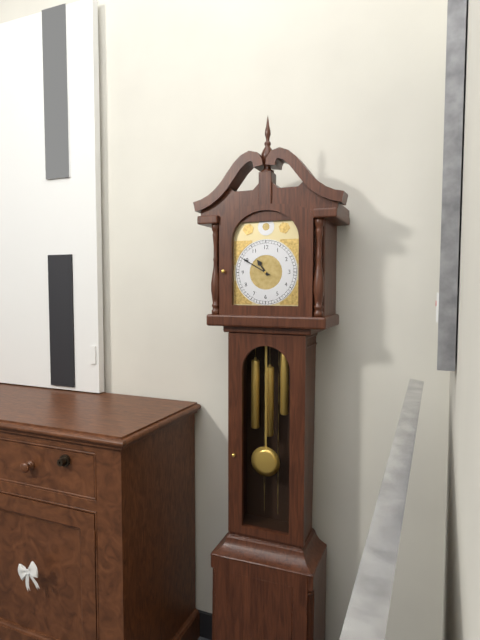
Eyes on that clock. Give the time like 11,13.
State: 10,50
